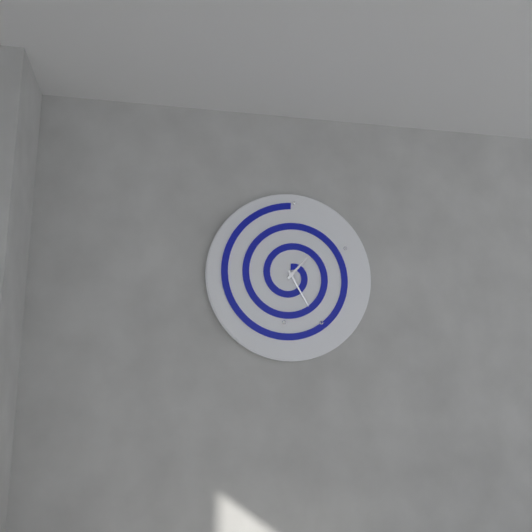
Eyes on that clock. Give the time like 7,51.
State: 1,25
